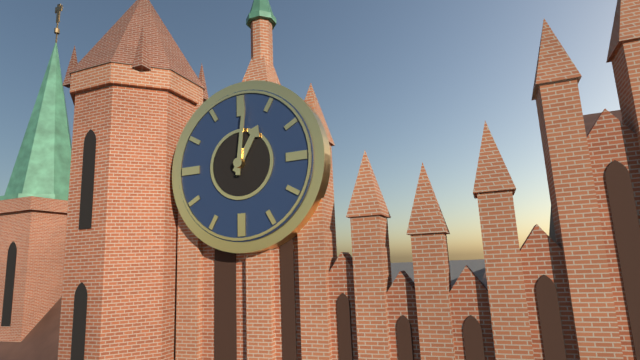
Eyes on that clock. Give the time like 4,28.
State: 1,01
